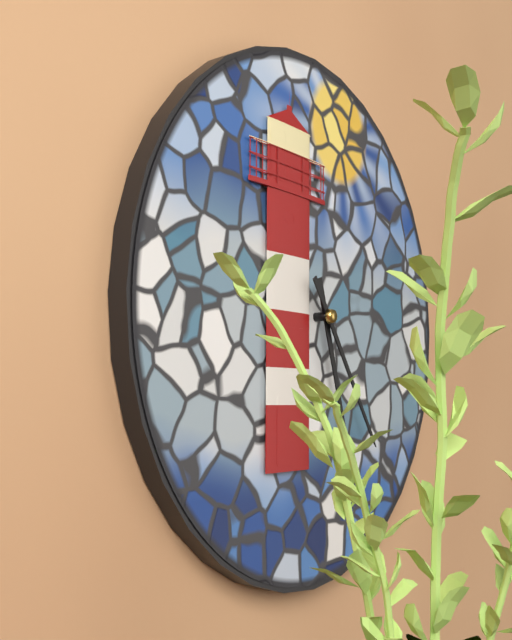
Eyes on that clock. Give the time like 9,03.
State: 5,24
